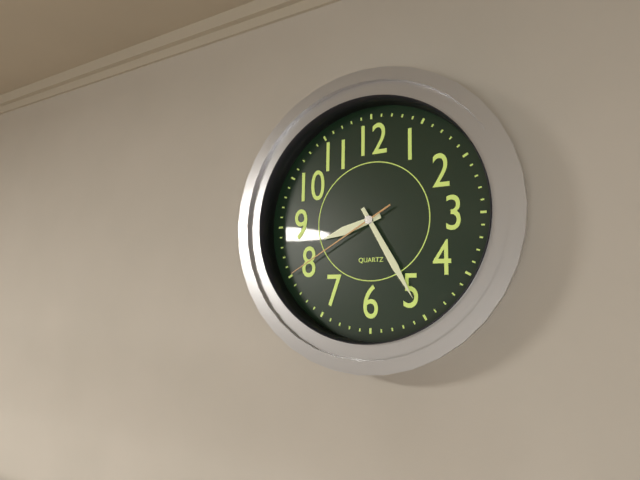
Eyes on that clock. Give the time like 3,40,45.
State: 8,25,40
